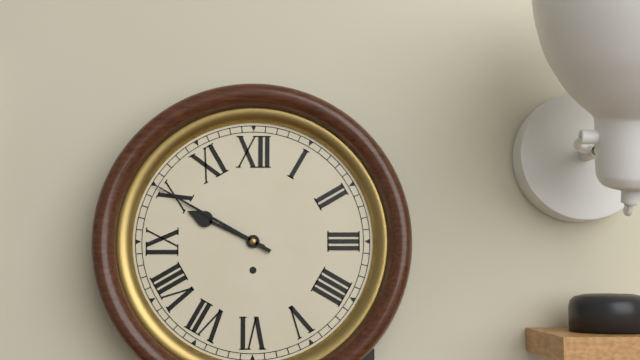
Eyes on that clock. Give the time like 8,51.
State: 9,50
